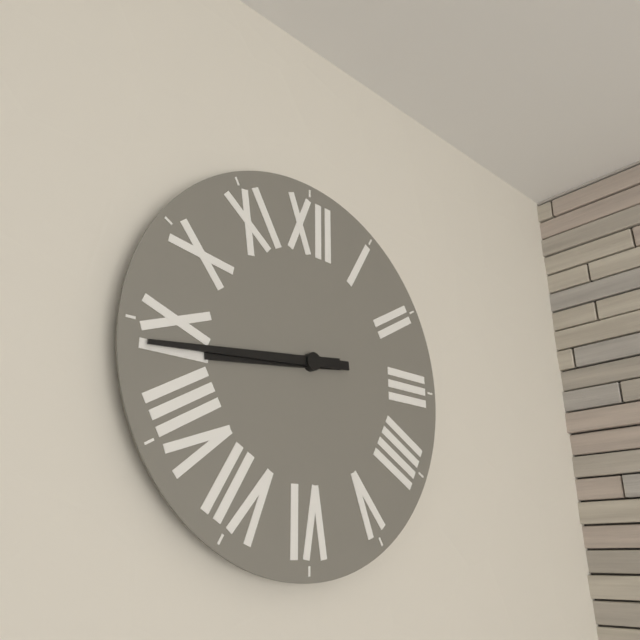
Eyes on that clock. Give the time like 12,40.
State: 8,44
